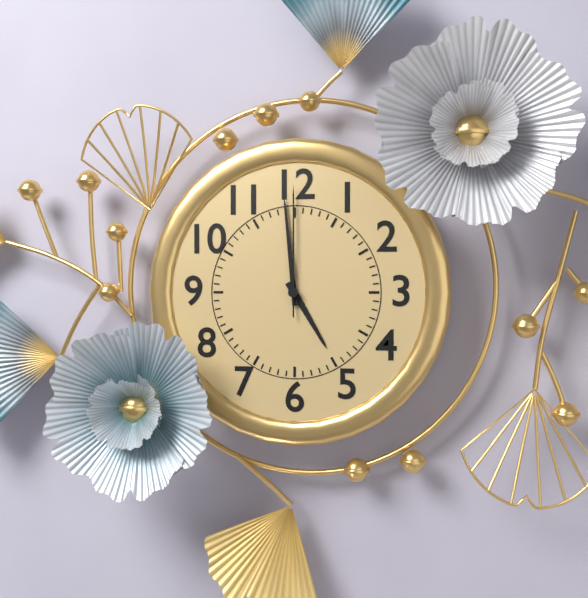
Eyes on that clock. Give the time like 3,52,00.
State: 4,59,00
